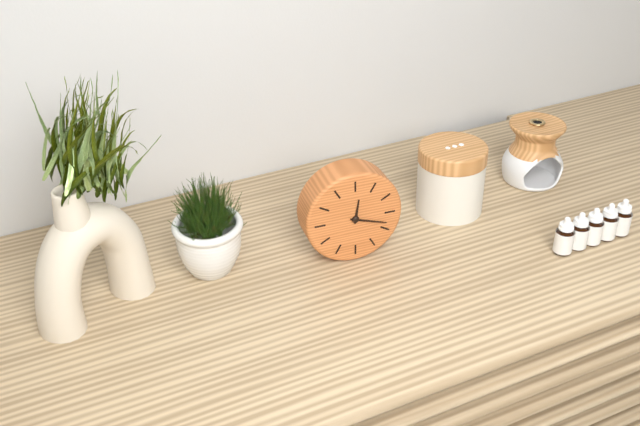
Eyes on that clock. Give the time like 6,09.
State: 12,18
